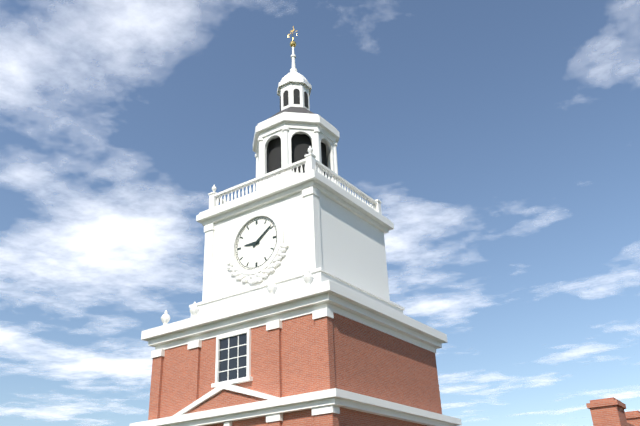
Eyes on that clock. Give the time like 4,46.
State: 9,09
